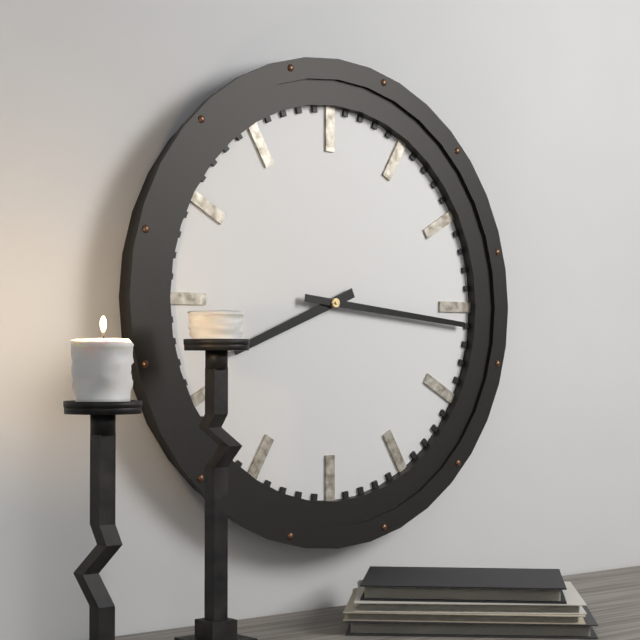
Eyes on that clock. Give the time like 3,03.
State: 8,16
